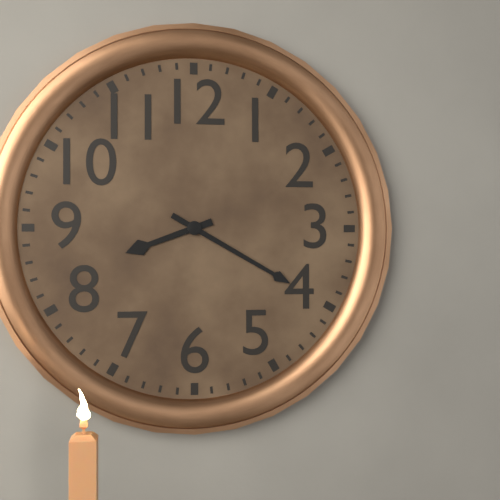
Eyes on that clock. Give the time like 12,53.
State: 8,20
